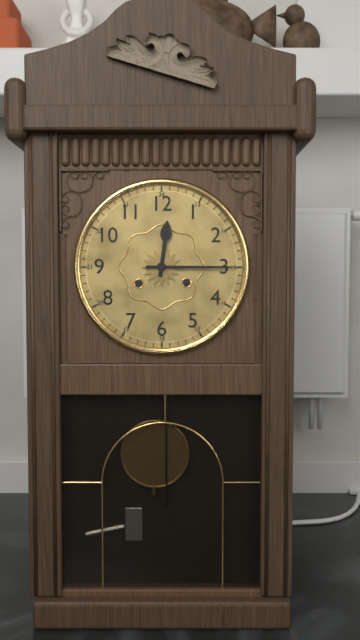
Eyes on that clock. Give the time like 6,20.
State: 12,15
